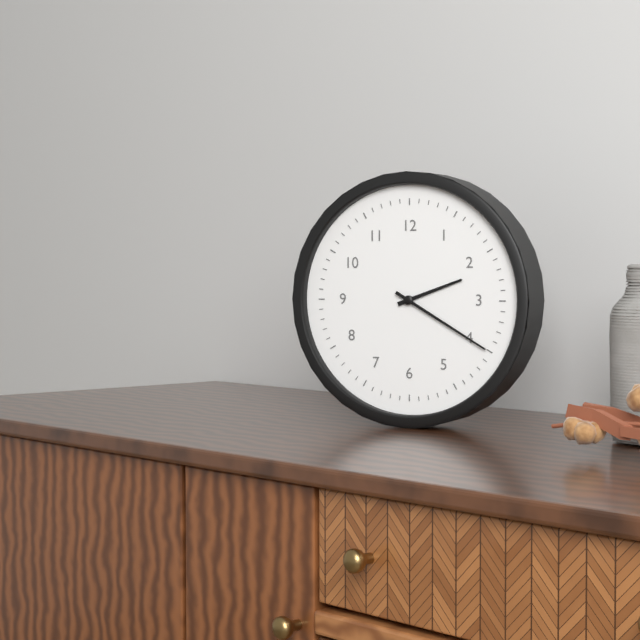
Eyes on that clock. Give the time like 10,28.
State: 2,20
